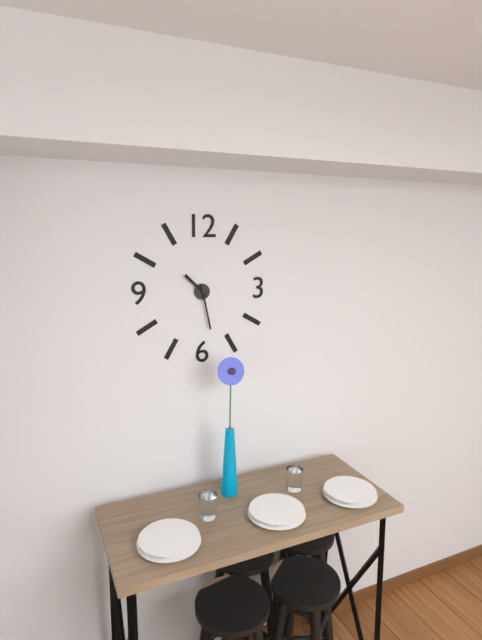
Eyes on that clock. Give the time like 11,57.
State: 10,28
